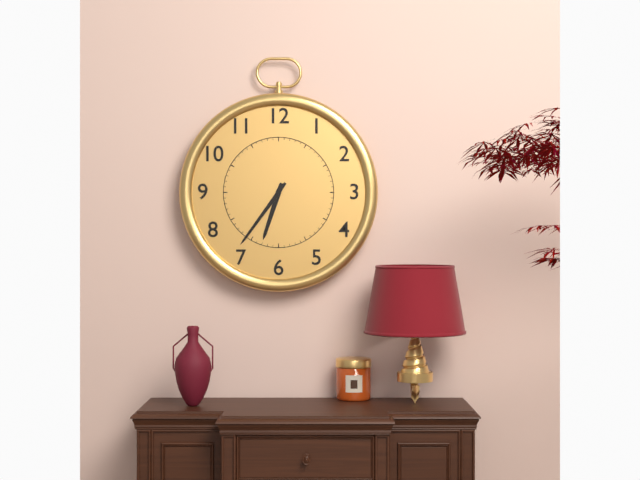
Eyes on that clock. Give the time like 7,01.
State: 6,36
